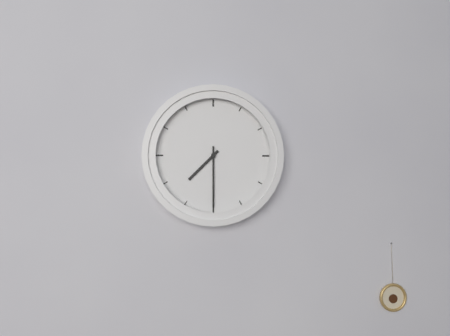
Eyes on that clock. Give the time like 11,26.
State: 7,30
